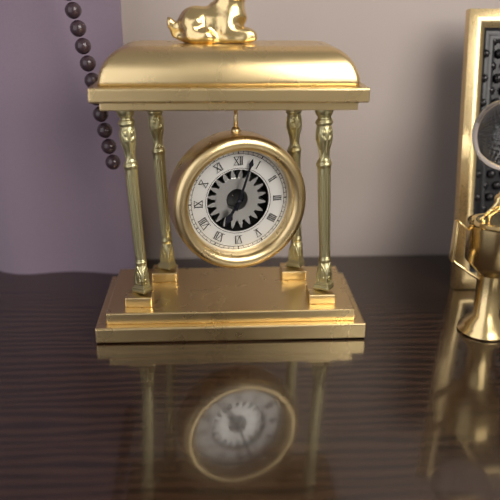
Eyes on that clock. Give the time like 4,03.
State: 7,03
